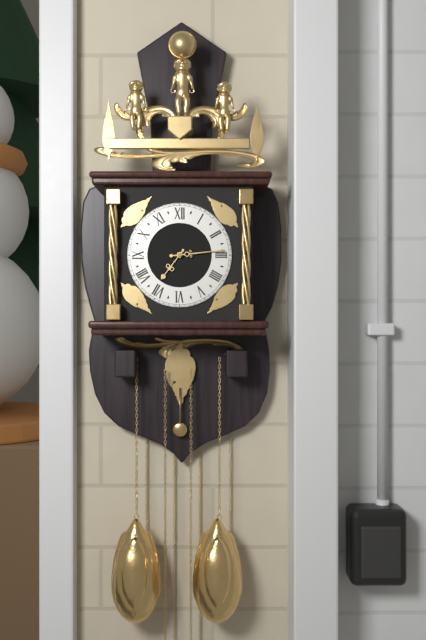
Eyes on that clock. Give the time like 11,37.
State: 7,14
